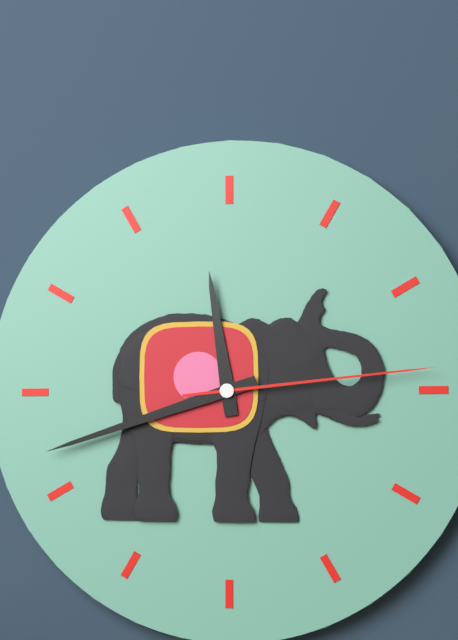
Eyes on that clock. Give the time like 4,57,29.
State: 11,42,14
